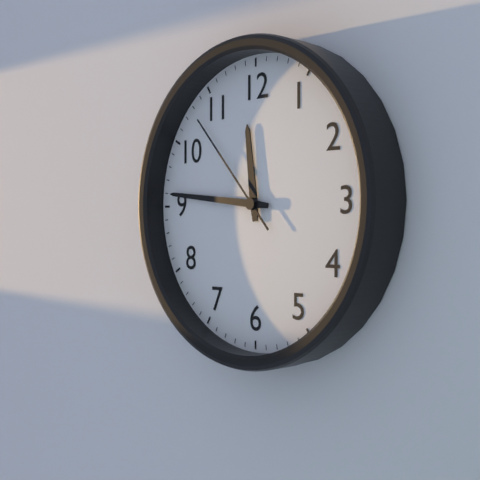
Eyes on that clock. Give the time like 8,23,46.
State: 11,46,53
